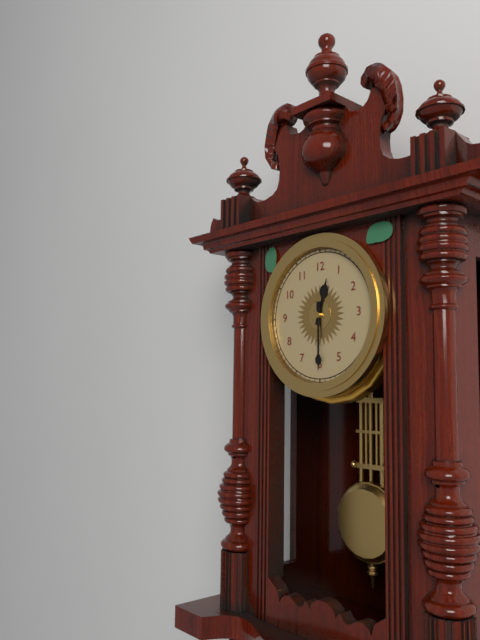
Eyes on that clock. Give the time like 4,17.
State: 12,30
